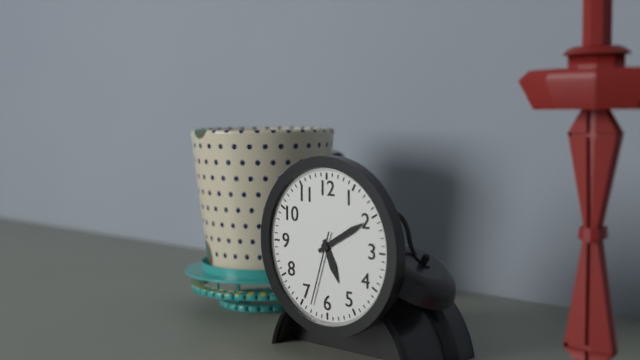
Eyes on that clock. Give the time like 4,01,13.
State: 5,10,33
